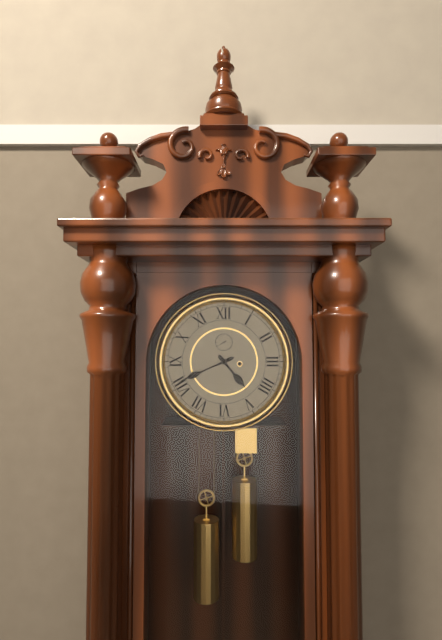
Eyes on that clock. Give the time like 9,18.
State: 4,41
